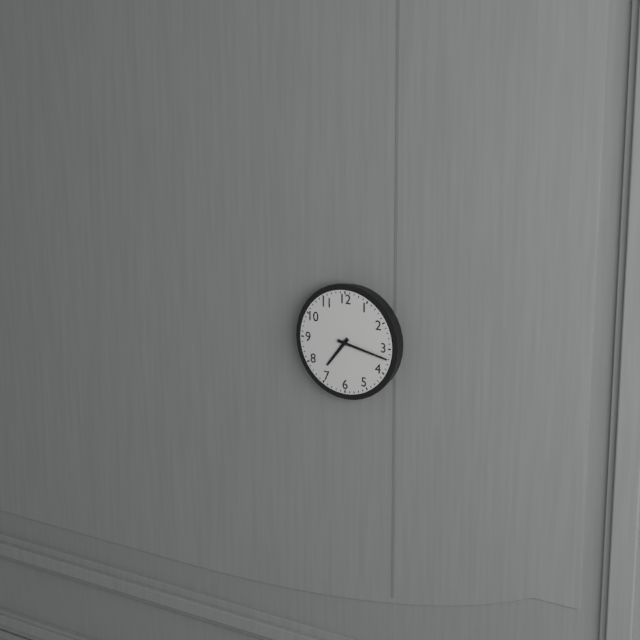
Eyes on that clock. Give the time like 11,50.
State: 7,17
